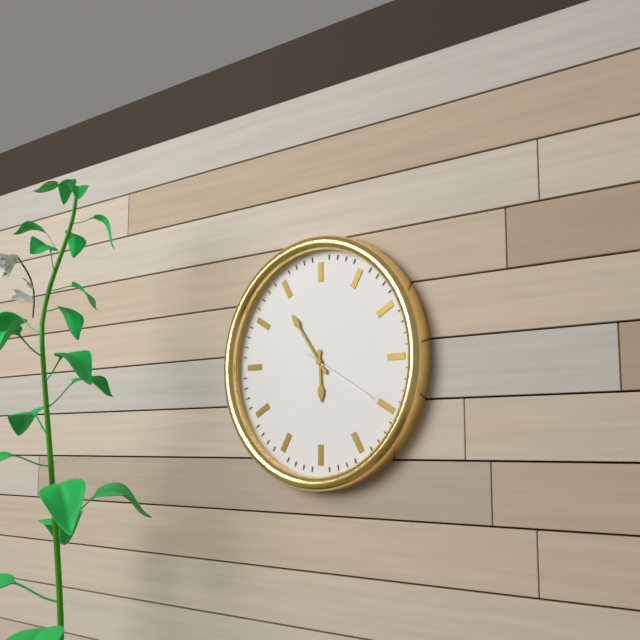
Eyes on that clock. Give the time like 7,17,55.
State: 5,54,20
